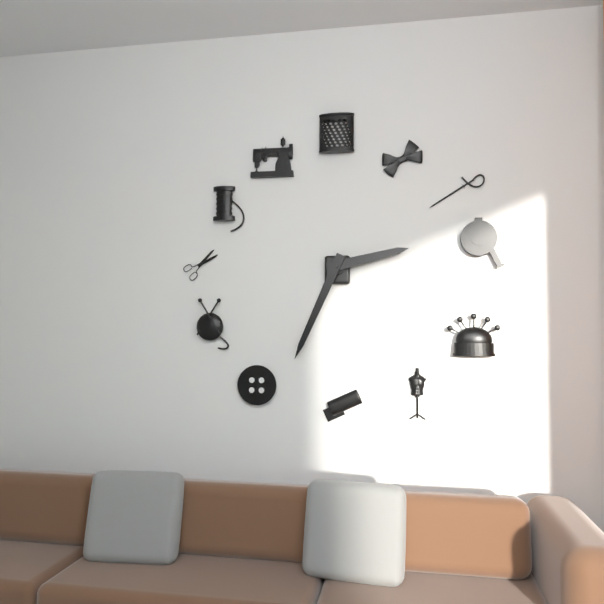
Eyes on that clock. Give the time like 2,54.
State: 2,34
